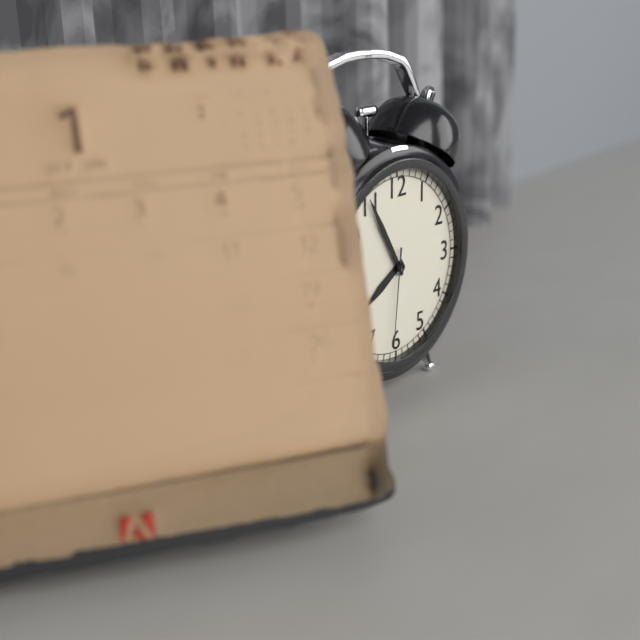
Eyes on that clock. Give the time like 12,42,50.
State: 7,55,31
